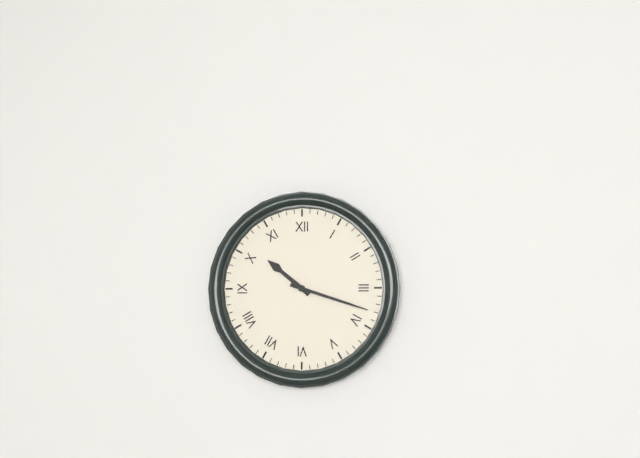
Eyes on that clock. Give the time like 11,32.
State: 10,18
